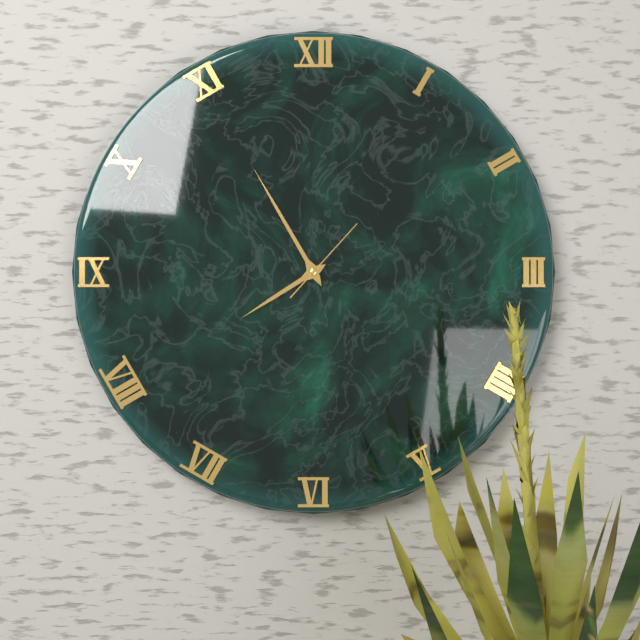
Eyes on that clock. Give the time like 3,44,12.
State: 7,55,07
